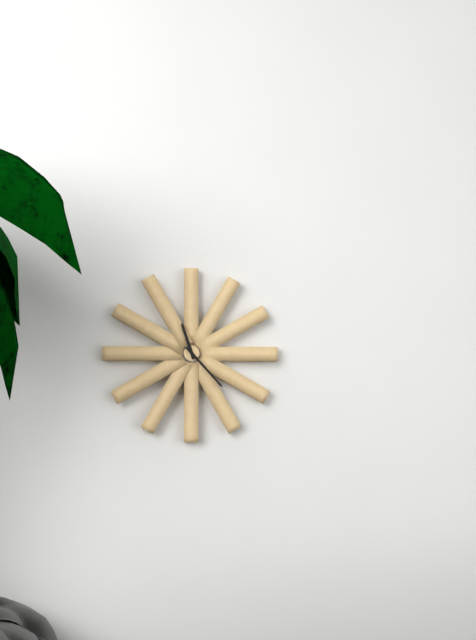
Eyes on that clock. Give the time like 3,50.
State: 11,23
